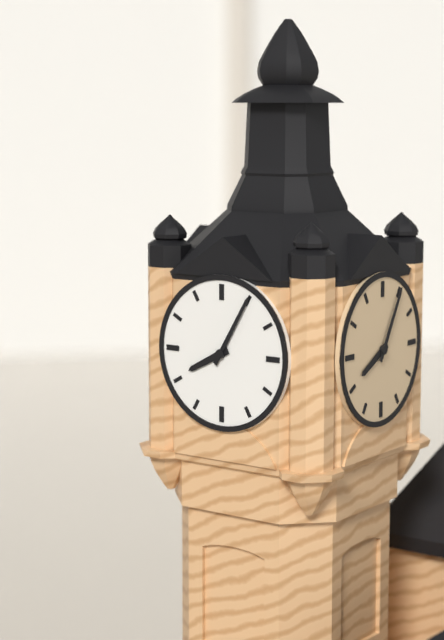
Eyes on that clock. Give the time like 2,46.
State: 8,05
